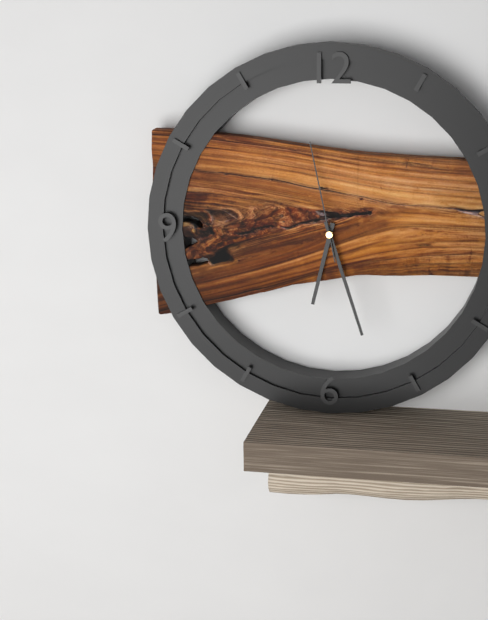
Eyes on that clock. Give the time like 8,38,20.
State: 6,27,58
